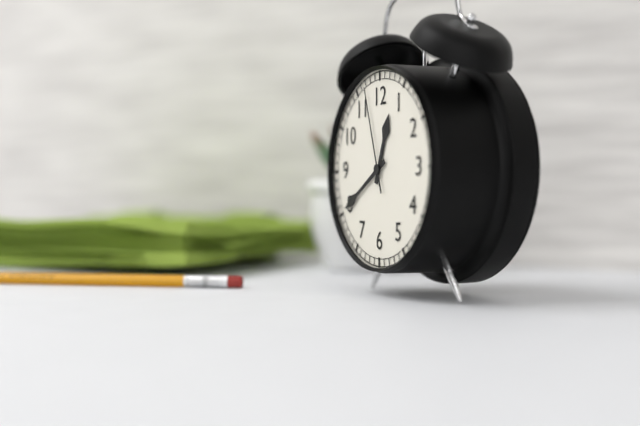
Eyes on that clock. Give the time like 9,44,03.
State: 12,40,57
